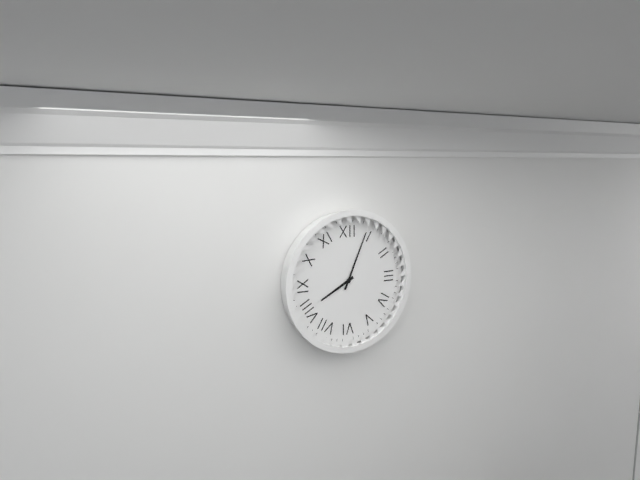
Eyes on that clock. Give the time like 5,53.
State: 8,04
